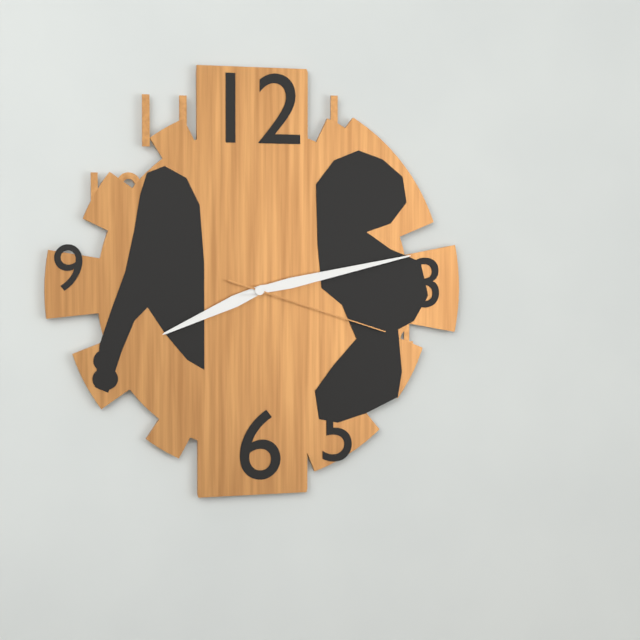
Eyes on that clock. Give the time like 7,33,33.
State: 8,13,18
